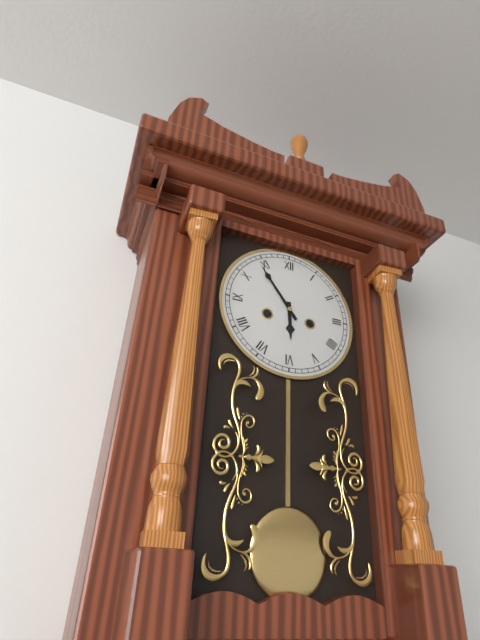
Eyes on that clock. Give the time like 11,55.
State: 5,54
